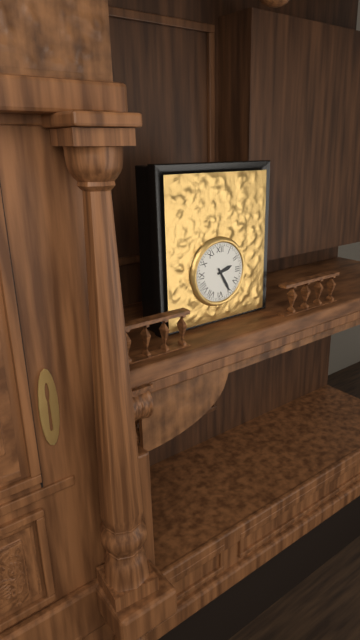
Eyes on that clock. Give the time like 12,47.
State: 2,25
